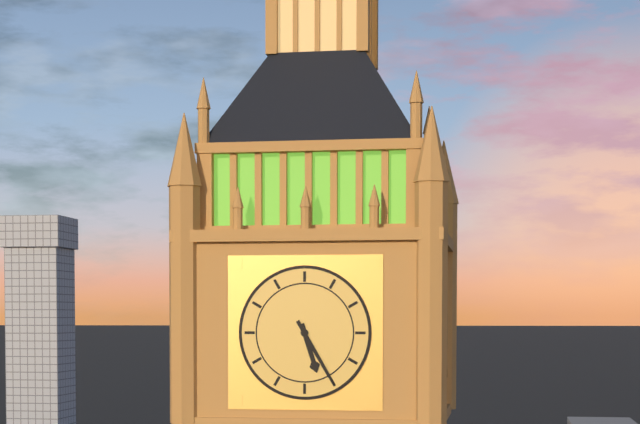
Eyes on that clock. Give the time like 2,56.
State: 5,25
